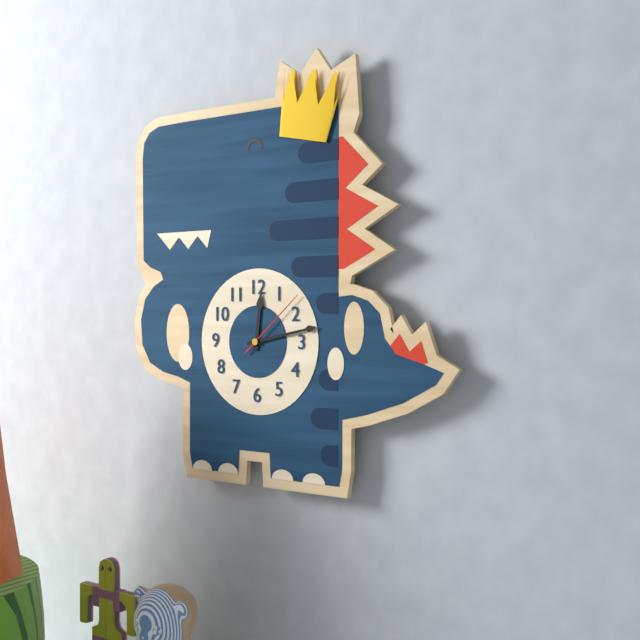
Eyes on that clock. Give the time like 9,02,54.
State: 12,13,08
